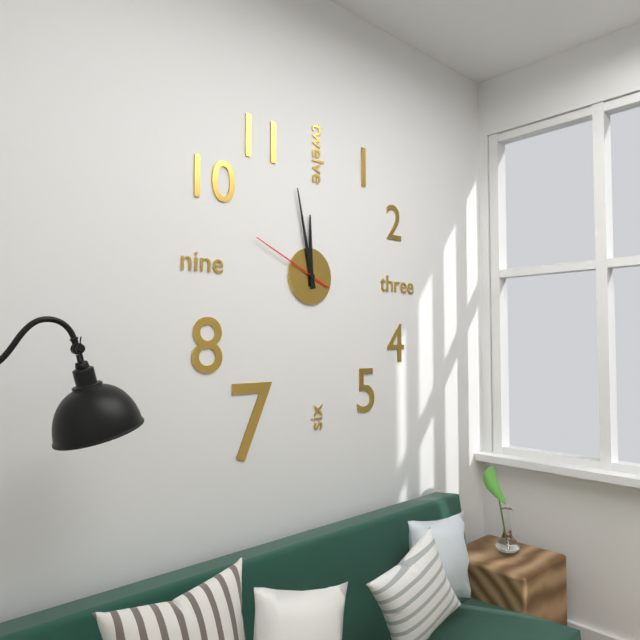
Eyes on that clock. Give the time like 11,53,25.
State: 11,58,49
